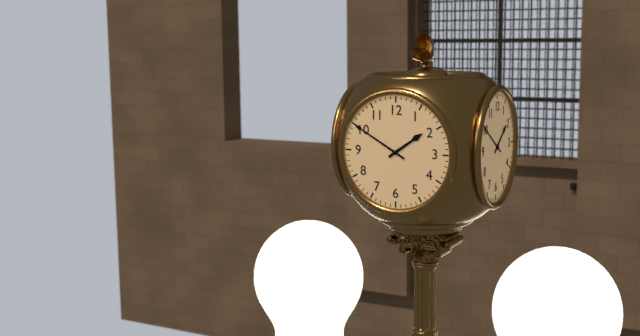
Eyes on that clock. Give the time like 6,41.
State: 1,50
